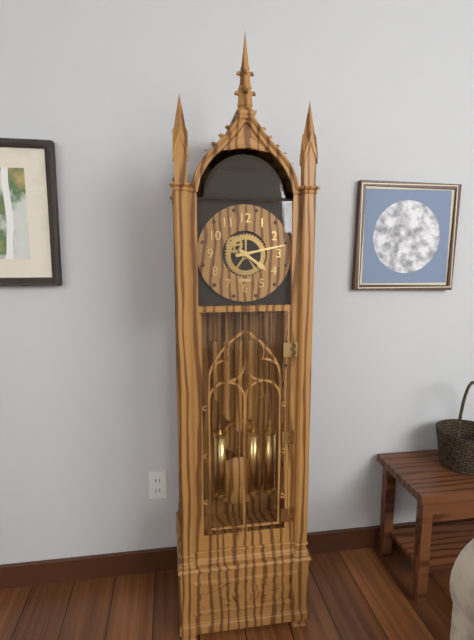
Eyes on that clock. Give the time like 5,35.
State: 4,13
